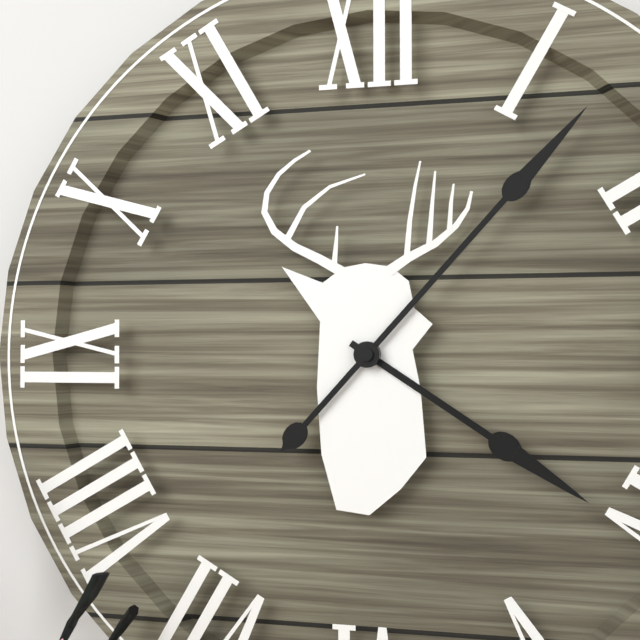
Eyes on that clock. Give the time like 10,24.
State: 4,07
